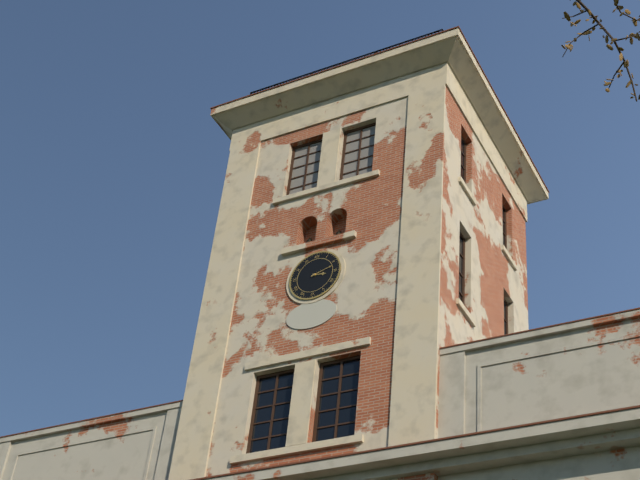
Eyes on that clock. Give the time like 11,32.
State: 3,12
